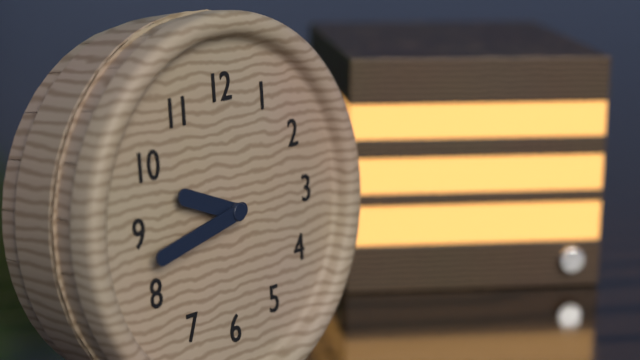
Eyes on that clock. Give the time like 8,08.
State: 9,43
